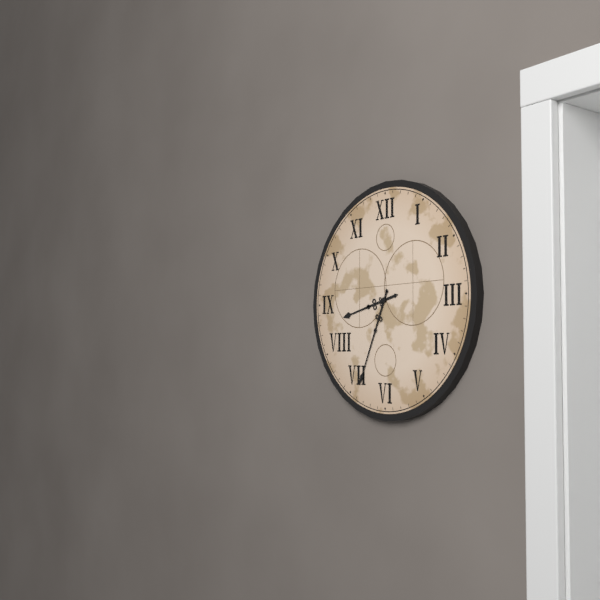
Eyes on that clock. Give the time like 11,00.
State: 8,34
